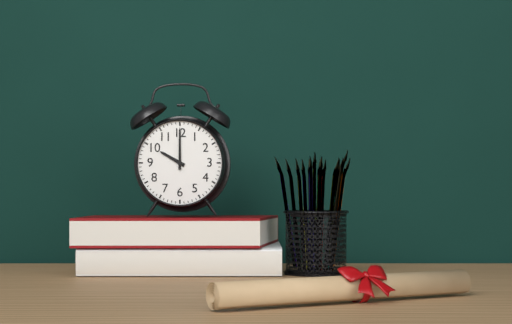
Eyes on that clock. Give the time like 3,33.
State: 10,00
